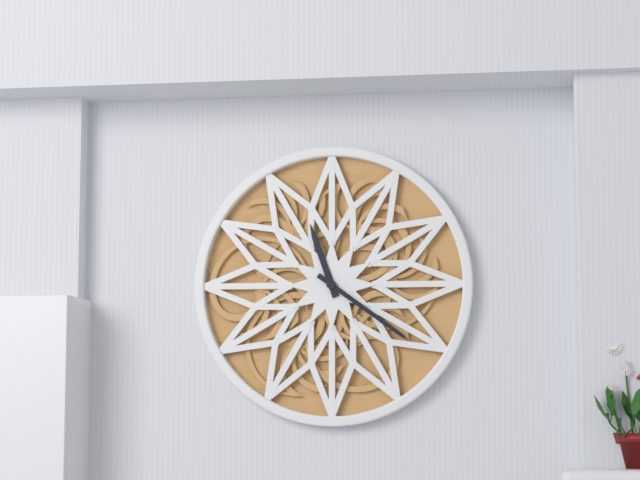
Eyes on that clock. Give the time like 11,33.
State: 11,21
